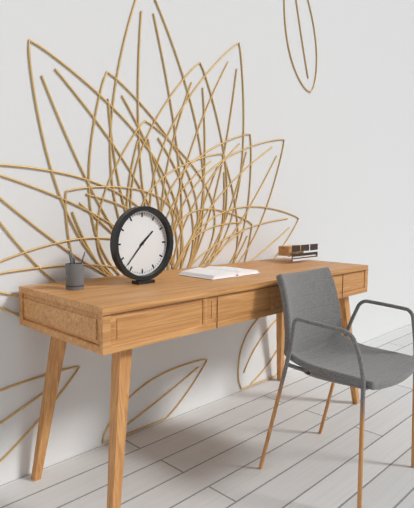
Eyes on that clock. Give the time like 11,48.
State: 1,37
